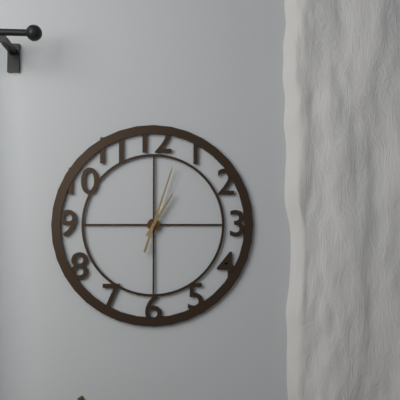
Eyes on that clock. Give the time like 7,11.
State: 1,03
